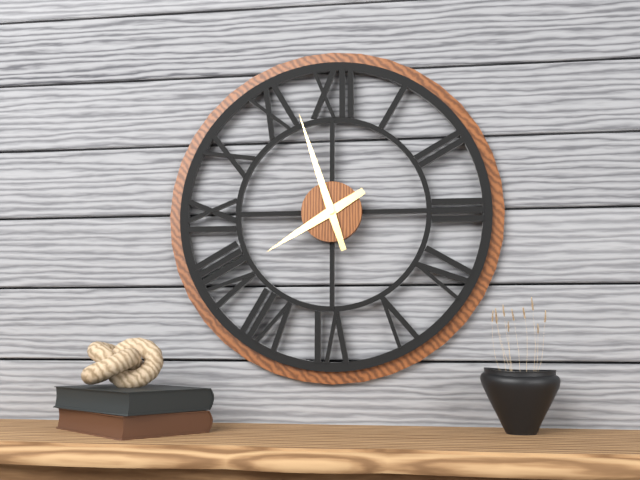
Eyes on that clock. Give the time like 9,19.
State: 7,57
